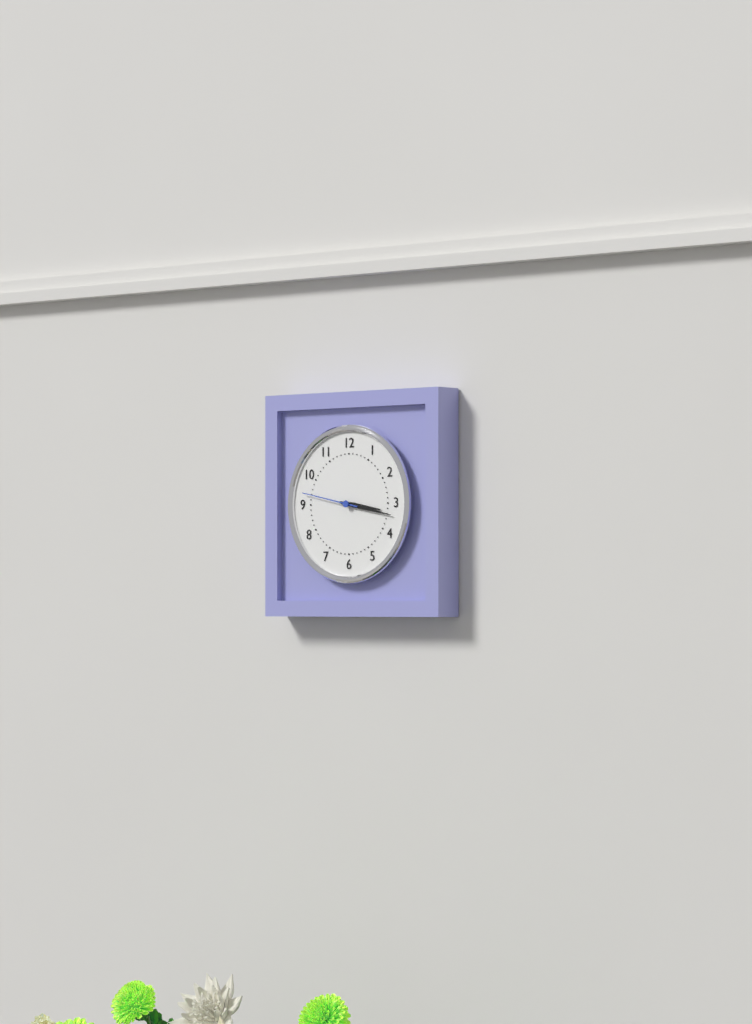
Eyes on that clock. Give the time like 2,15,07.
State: 3,17,47
